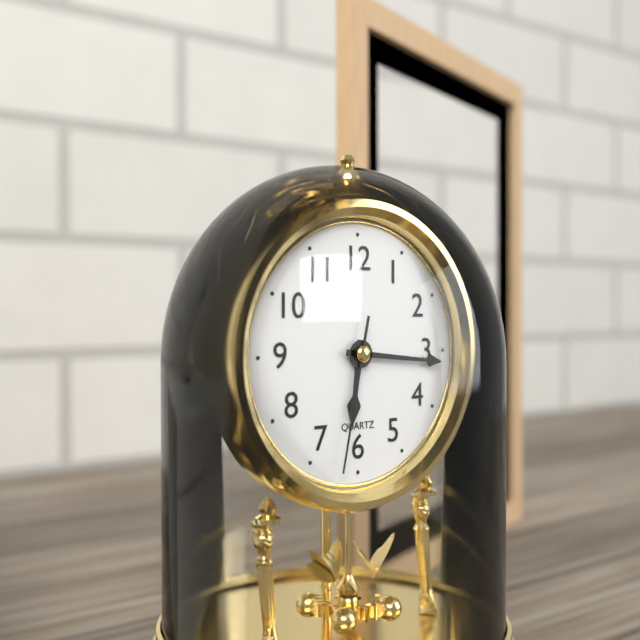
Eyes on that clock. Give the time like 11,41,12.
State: 6,16,32
